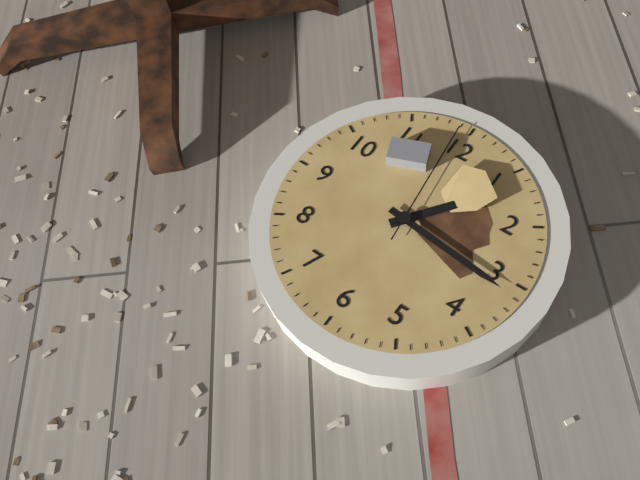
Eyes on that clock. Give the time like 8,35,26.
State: 1,16,59
